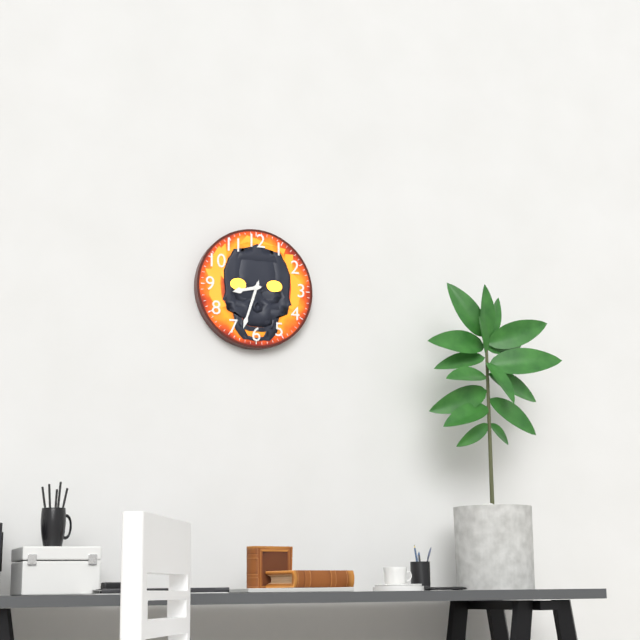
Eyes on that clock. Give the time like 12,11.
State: 8,33
